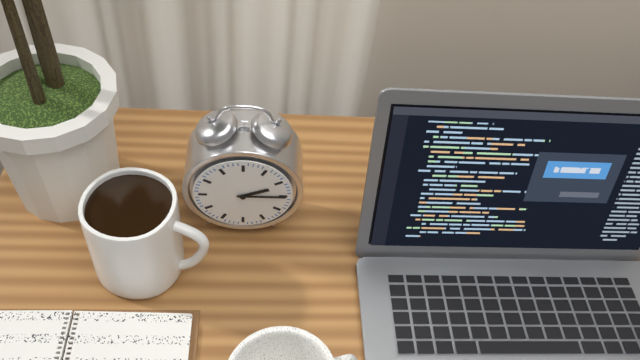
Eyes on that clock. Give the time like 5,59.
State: 2,15
